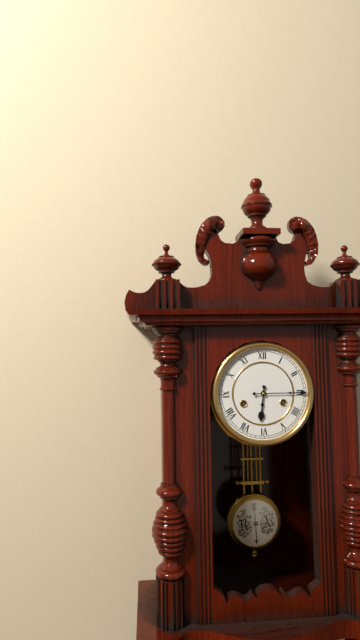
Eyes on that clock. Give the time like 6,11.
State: 6,15
